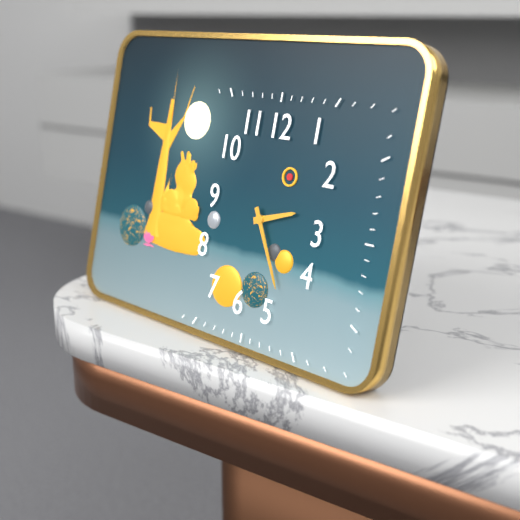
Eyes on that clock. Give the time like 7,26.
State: 2,25
